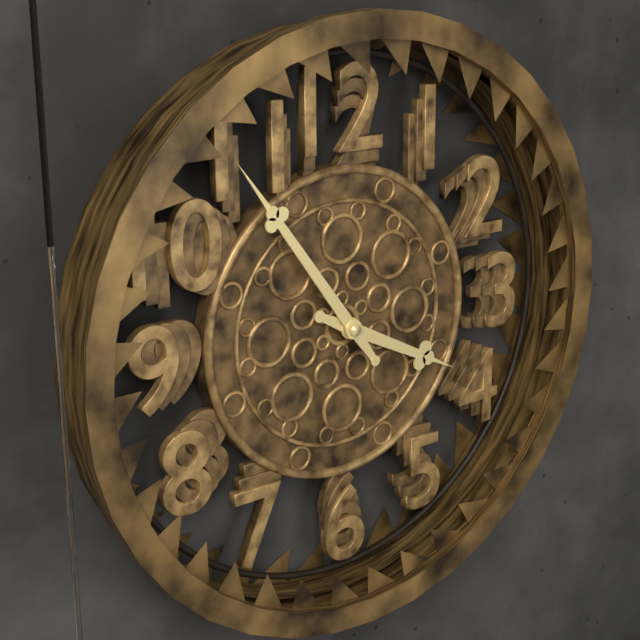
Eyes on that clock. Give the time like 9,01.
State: 3,54
